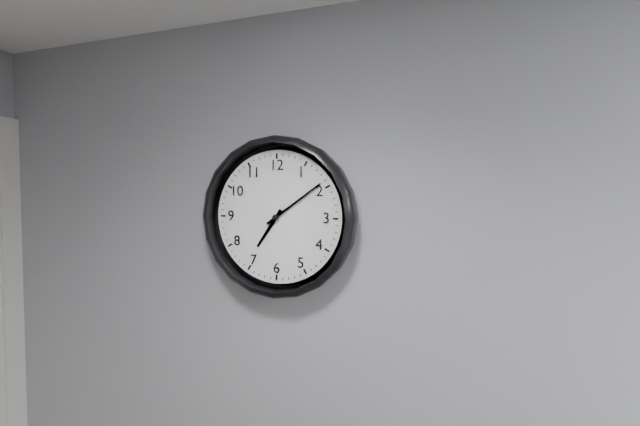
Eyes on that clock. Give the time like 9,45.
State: 7,09
